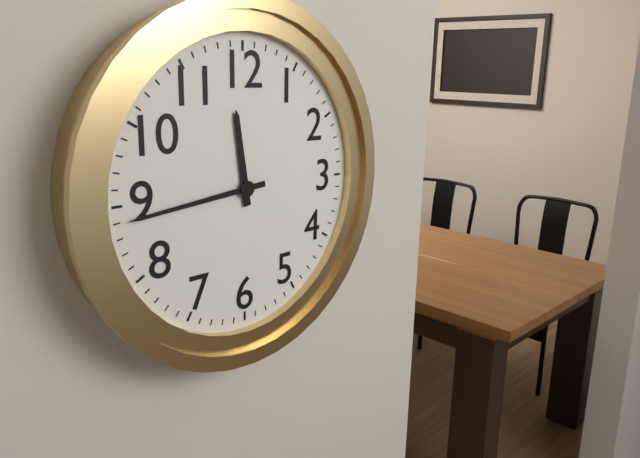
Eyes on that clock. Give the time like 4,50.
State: 11,44
